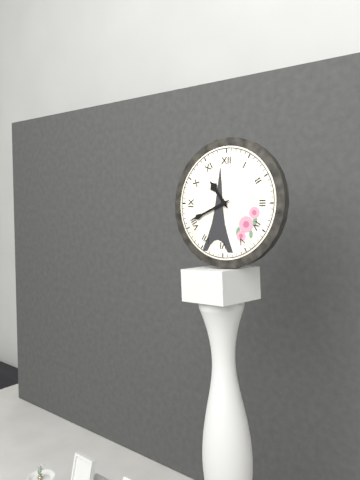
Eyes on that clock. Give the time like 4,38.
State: 10,41
